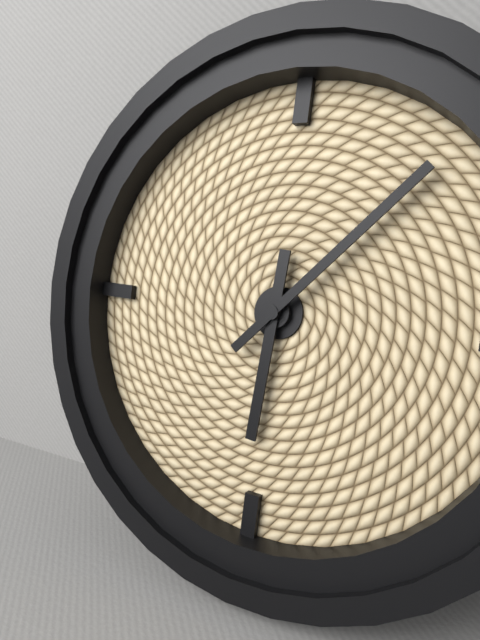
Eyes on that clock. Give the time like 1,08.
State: 6,07
